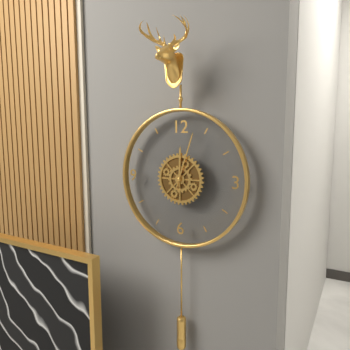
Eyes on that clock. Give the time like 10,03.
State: 12,03
